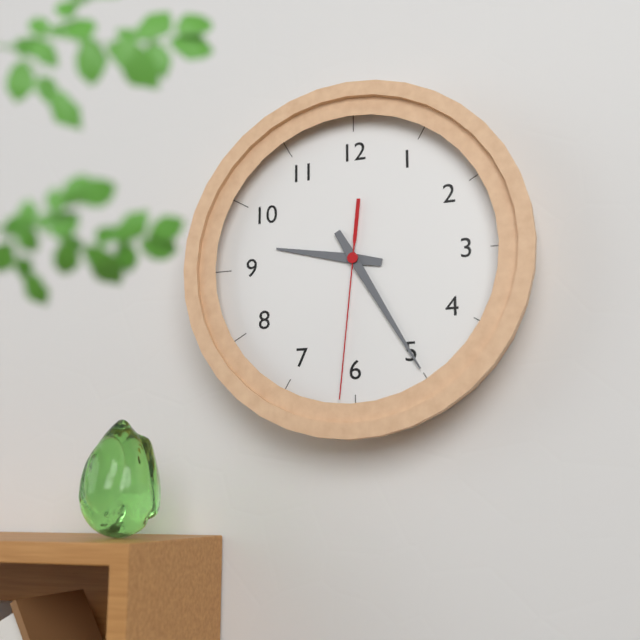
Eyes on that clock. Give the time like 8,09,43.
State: 9,25,31
